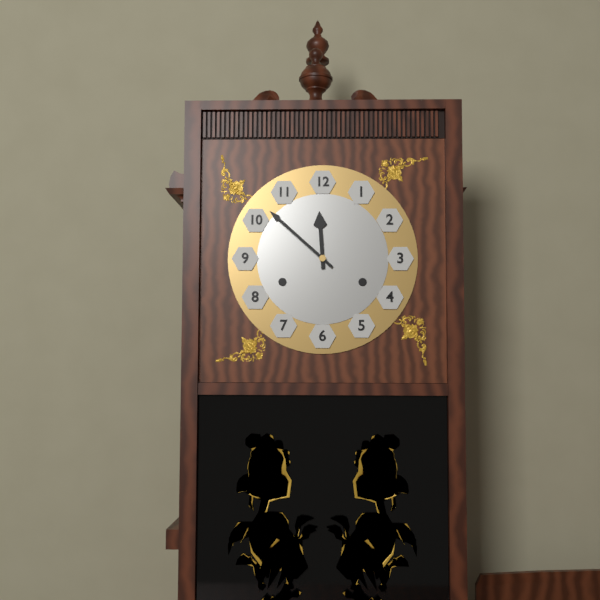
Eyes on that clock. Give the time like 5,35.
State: 11,52
